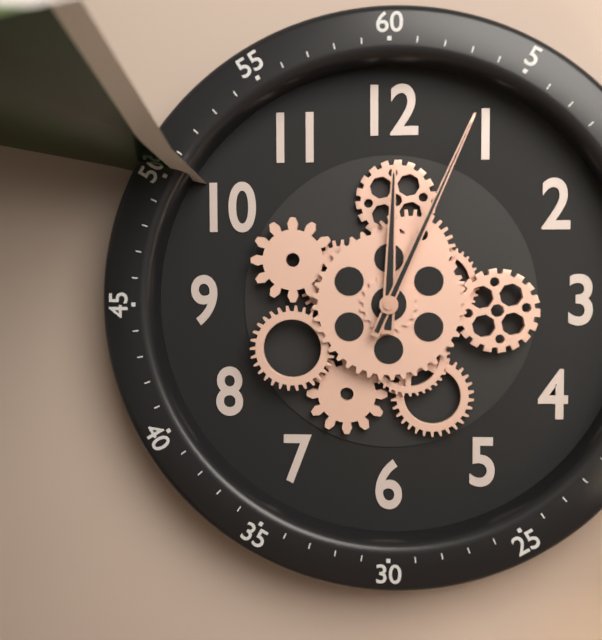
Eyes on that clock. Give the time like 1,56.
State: 12,04
